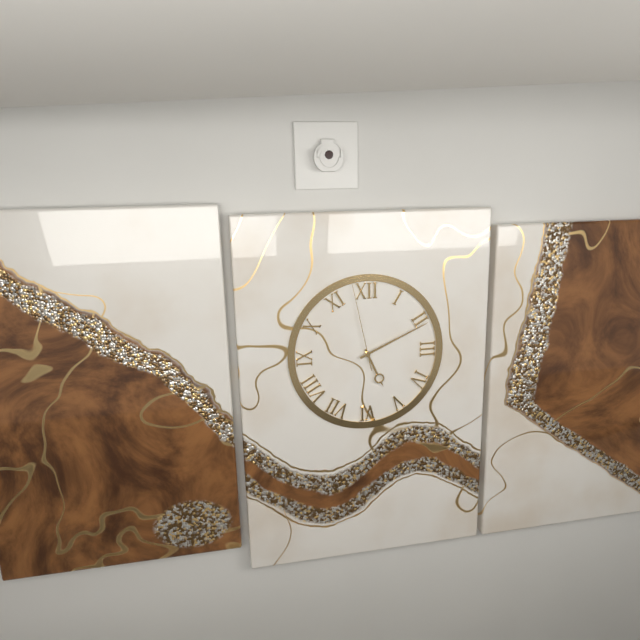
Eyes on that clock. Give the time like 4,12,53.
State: 5,11,58
